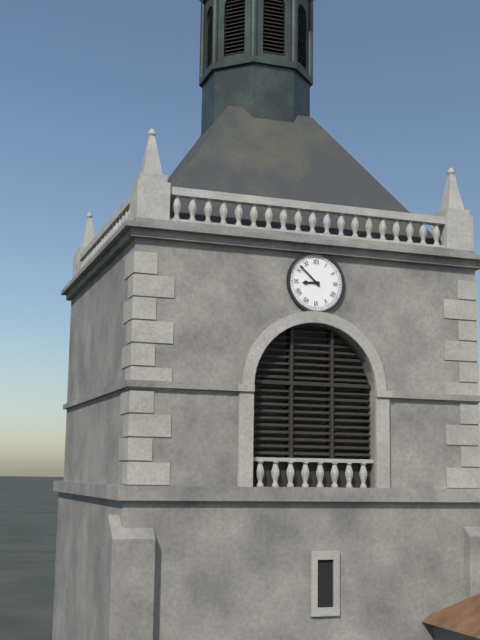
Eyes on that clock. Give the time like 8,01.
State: 8,52
